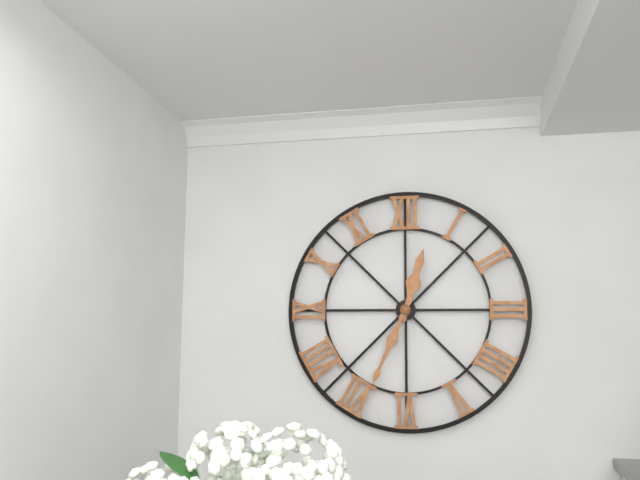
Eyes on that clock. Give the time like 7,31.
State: 12,34
